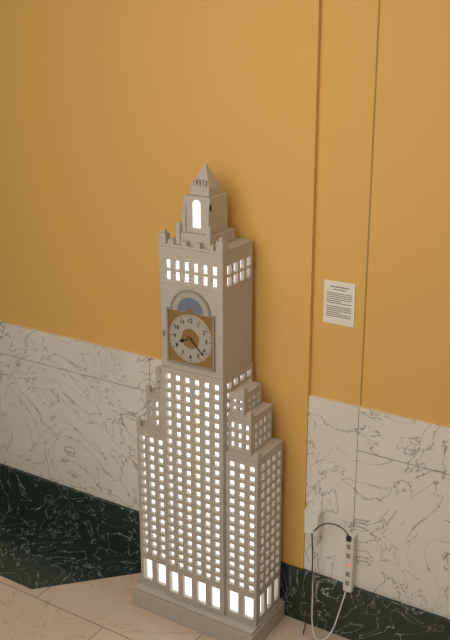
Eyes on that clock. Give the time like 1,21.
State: 8,22
